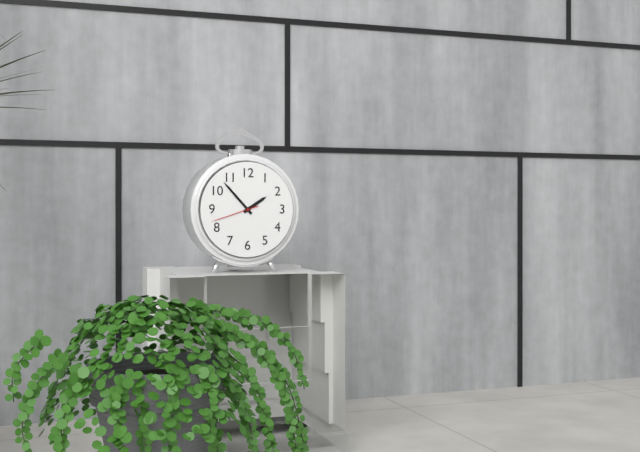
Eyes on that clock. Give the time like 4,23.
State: 1,53
